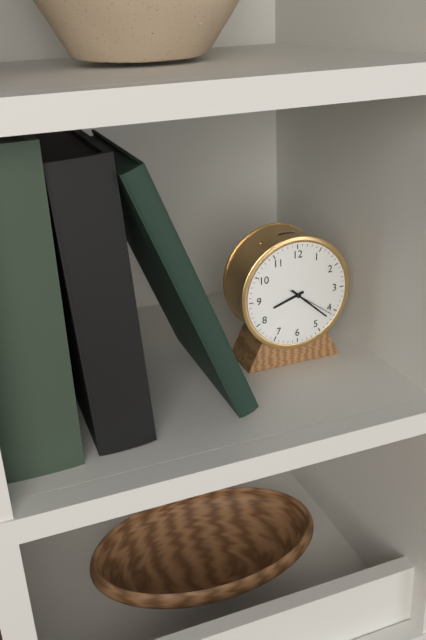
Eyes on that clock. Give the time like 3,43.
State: 8,22
